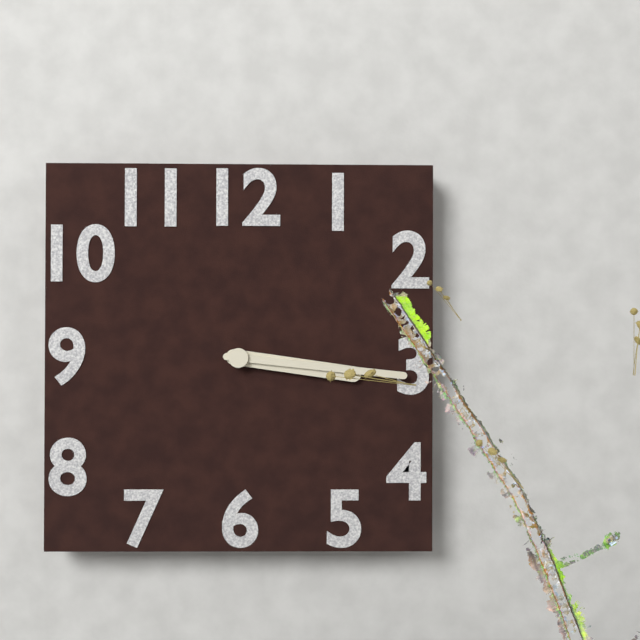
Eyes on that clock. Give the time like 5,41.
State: 3,16
